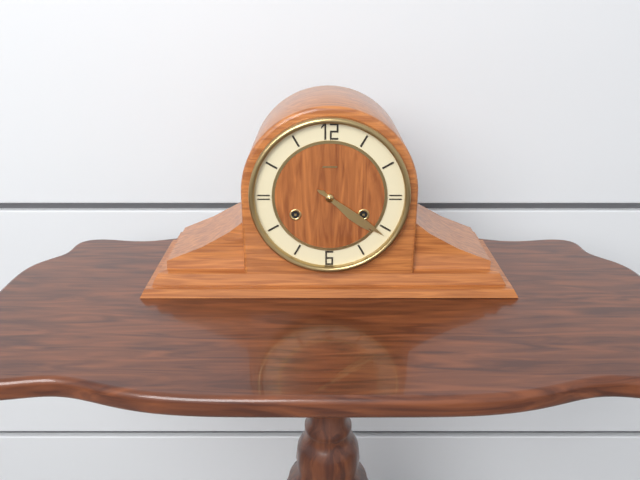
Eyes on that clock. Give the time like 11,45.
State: 4,21
